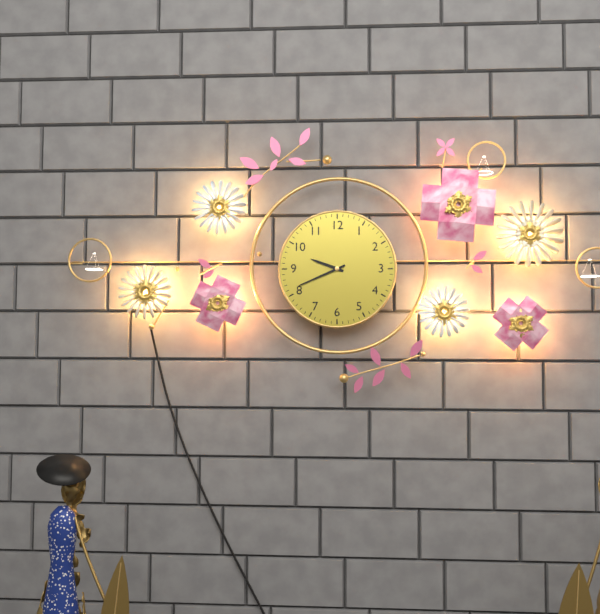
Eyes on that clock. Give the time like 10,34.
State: 9,41
